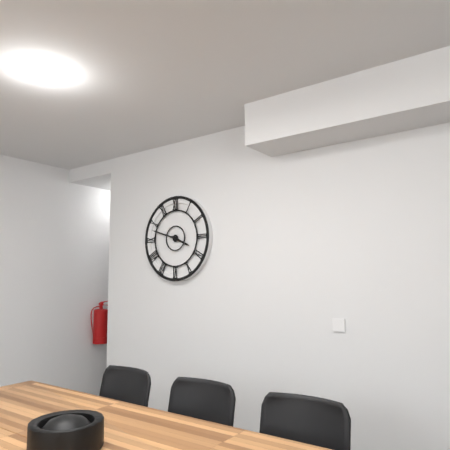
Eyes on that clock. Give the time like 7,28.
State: 3,48
